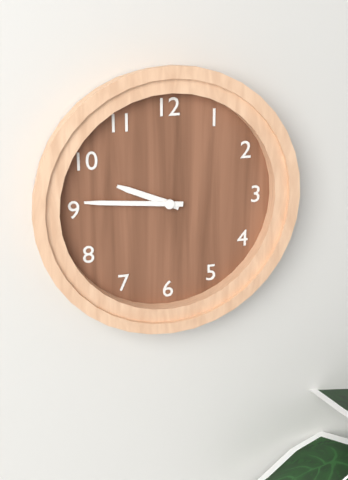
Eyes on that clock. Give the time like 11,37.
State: 9,46
